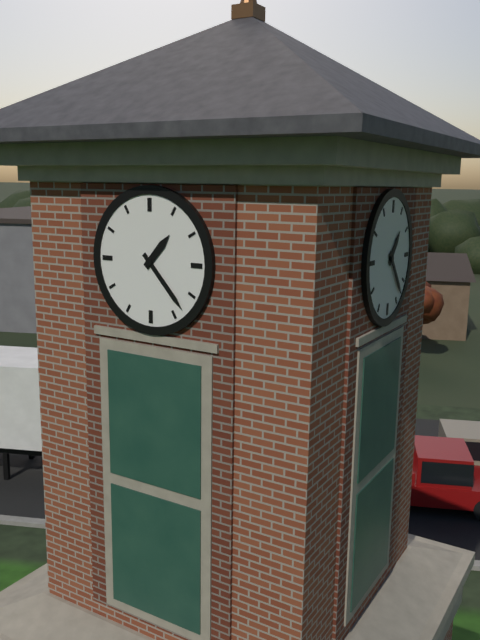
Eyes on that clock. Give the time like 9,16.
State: 1,23
